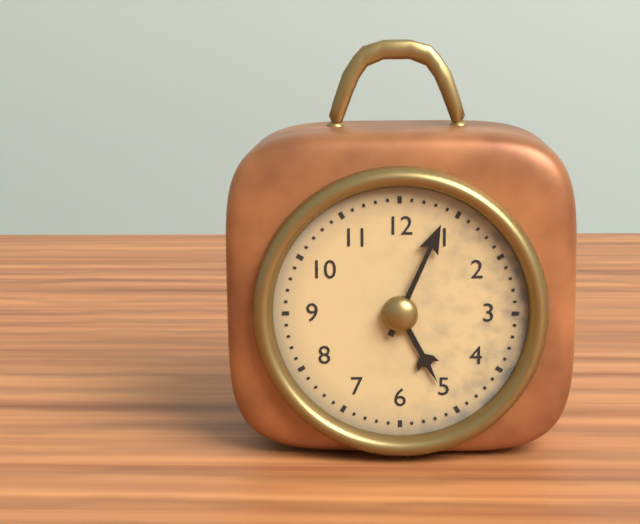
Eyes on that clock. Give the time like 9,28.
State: 5,04
